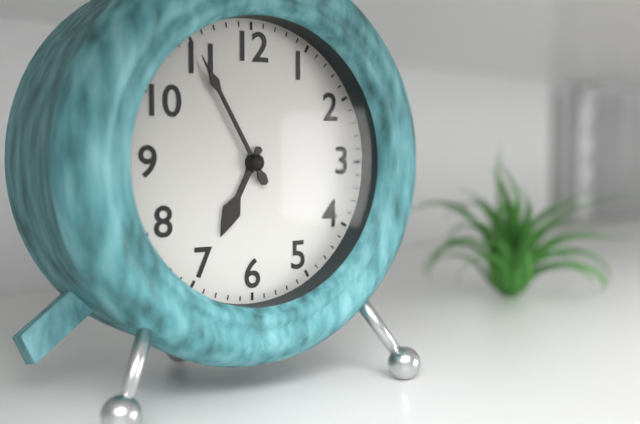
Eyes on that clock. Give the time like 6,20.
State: 6,55
